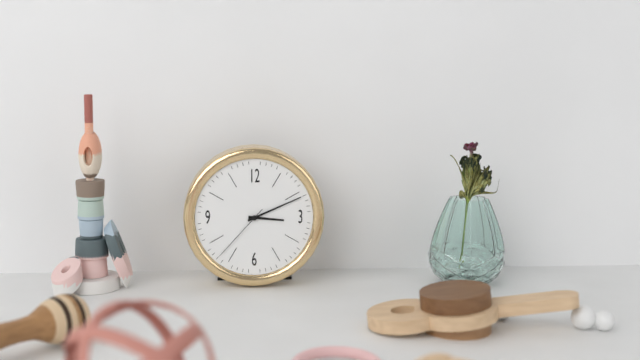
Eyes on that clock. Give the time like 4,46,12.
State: 3,11,37
